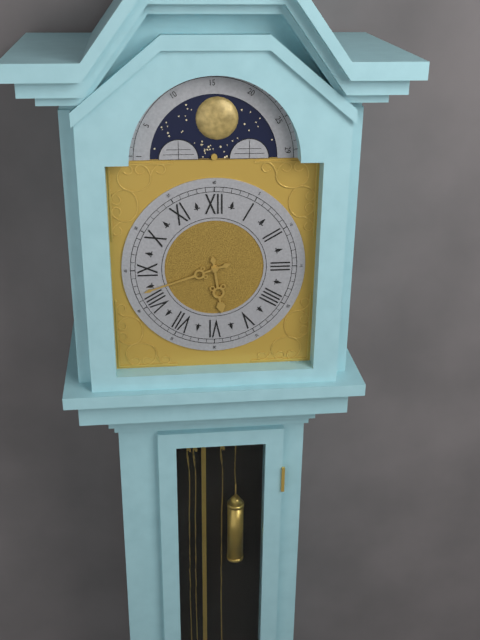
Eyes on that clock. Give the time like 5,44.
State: 5,42
